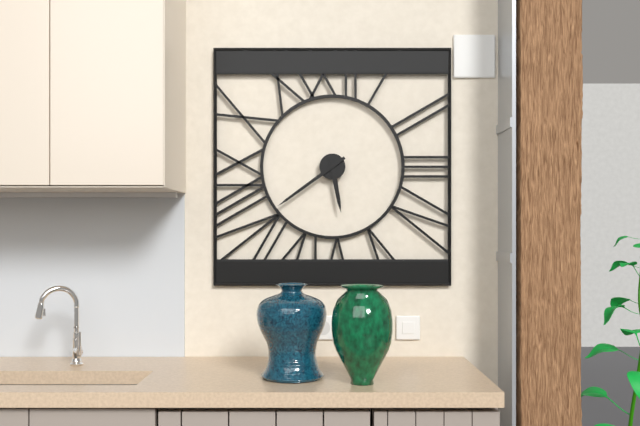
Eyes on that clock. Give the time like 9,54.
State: 5,39
